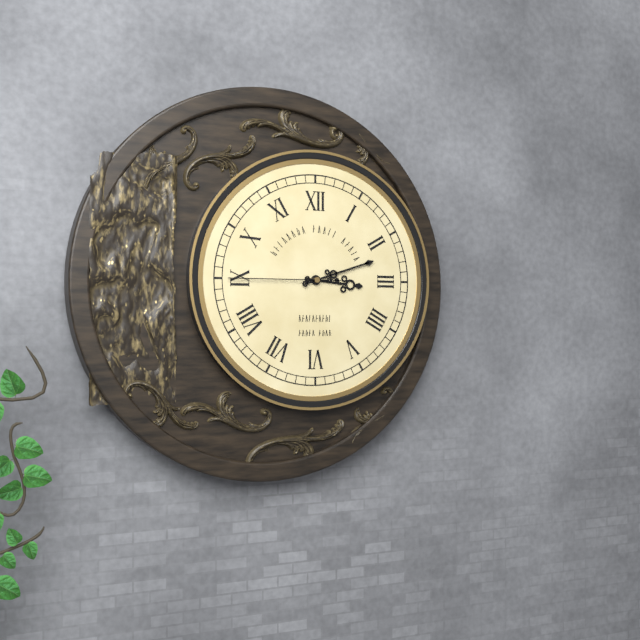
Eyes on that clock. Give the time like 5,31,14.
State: 3,12,45
